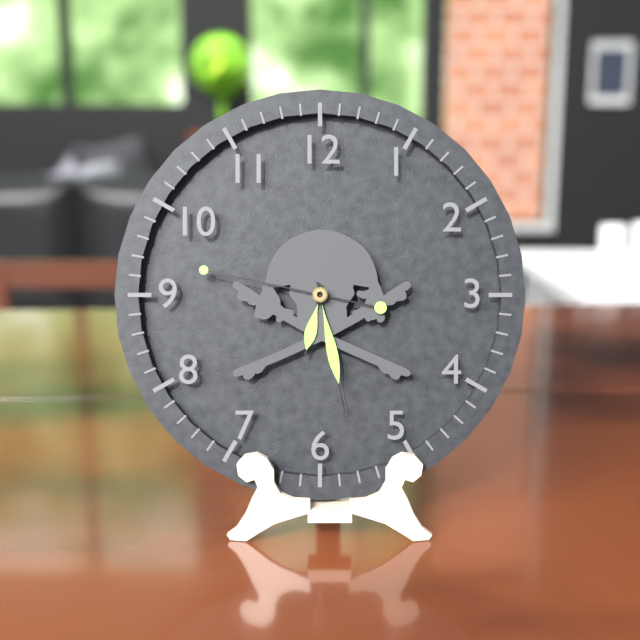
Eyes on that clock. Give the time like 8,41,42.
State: 6,28,47
